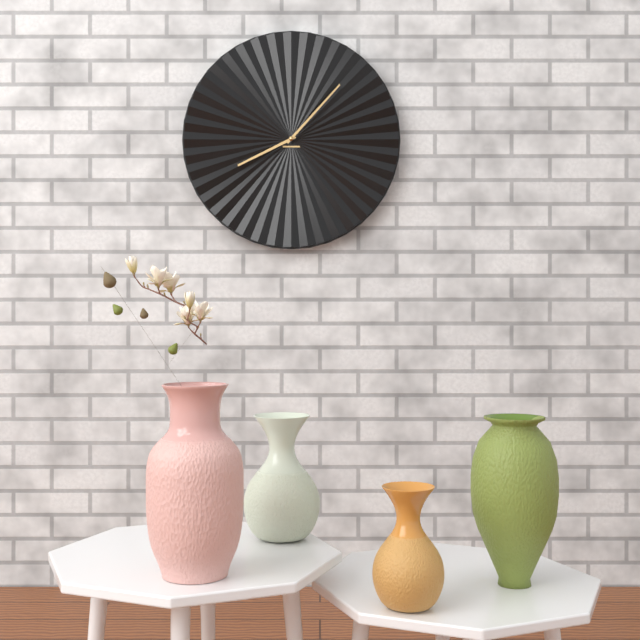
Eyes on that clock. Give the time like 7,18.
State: 8,07
